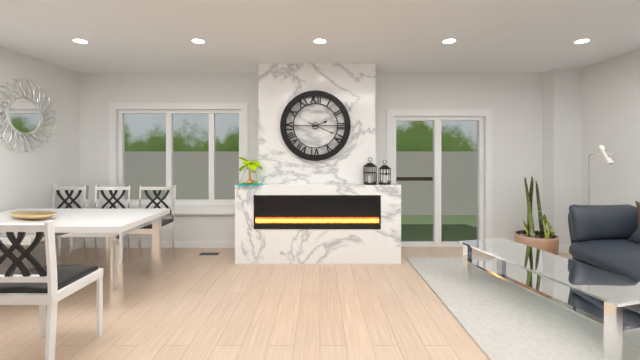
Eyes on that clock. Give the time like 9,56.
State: 2,19
